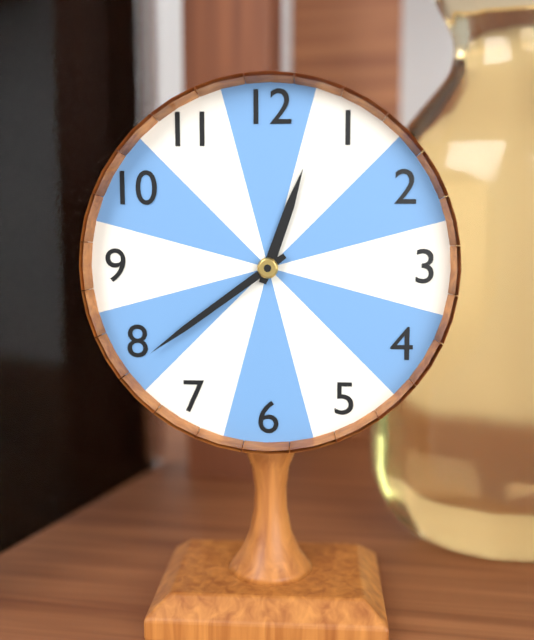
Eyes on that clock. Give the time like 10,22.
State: 12,39
